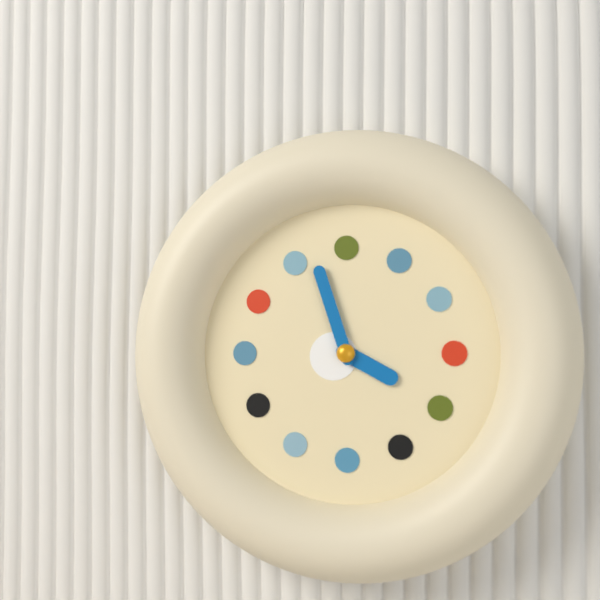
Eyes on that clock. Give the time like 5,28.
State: 3,57
